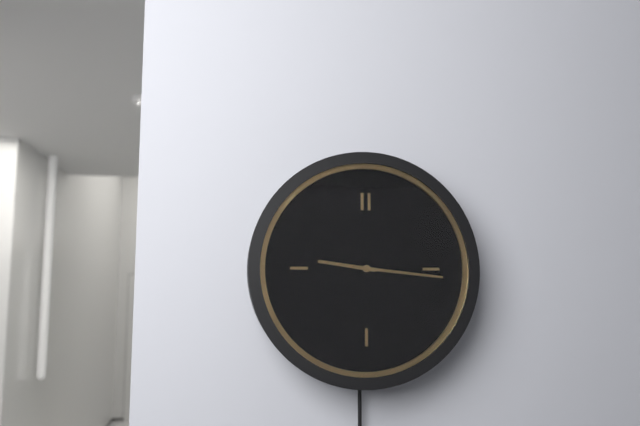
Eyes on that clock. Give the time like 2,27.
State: 9,16
